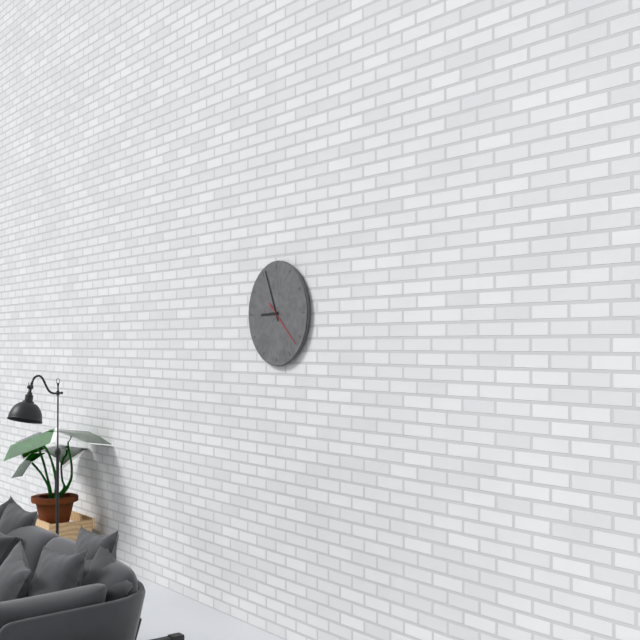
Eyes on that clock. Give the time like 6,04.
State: 8,56
